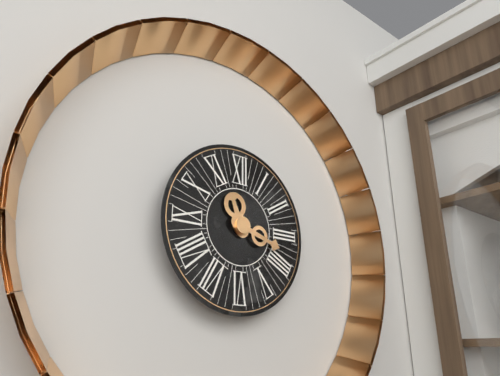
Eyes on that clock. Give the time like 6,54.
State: 11,18
